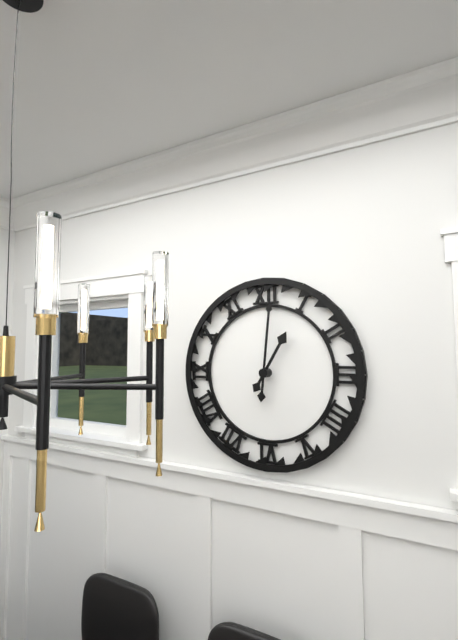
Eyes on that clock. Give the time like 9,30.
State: 1,01
